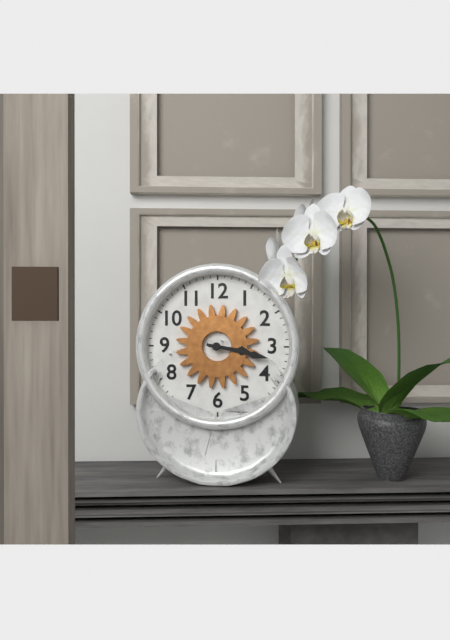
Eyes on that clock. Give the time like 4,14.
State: 3,17
